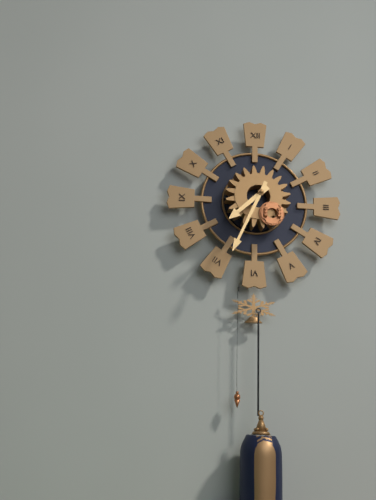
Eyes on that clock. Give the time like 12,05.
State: 7,34
